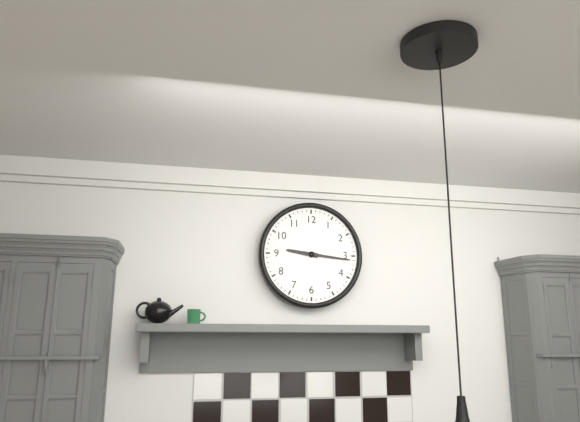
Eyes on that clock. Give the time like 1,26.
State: 9,16
